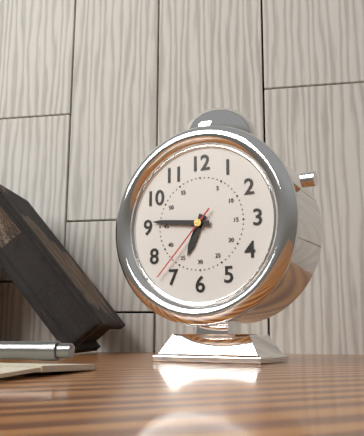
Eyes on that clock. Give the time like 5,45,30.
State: 6,46,37
